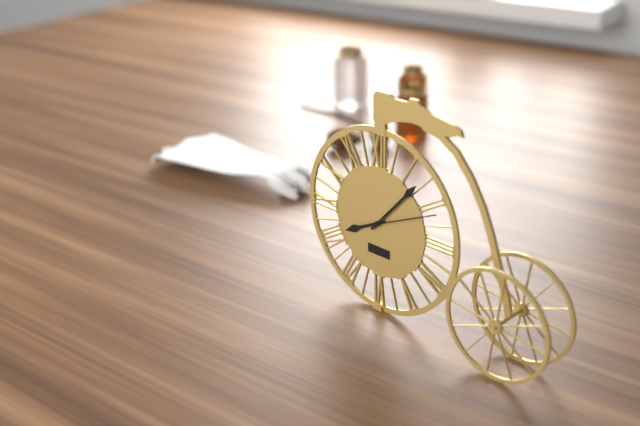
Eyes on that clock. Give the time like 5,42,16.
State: 8,07,11
